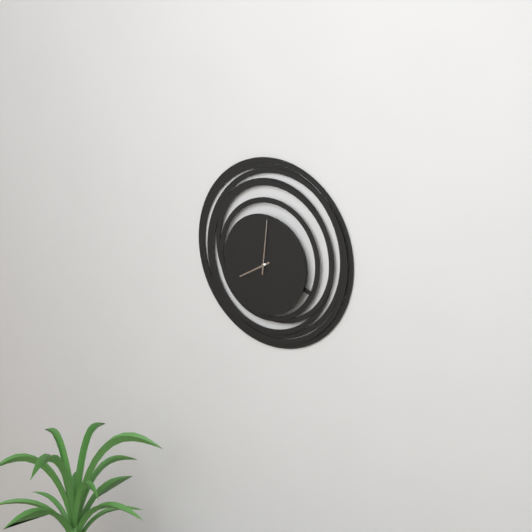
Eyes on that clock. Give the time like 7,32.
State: 8,01
